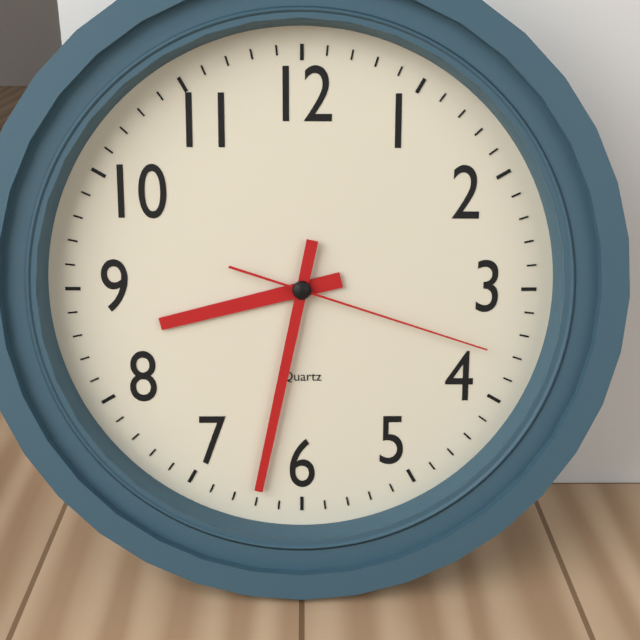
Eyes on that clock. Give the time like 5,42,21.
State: 8,32,18
